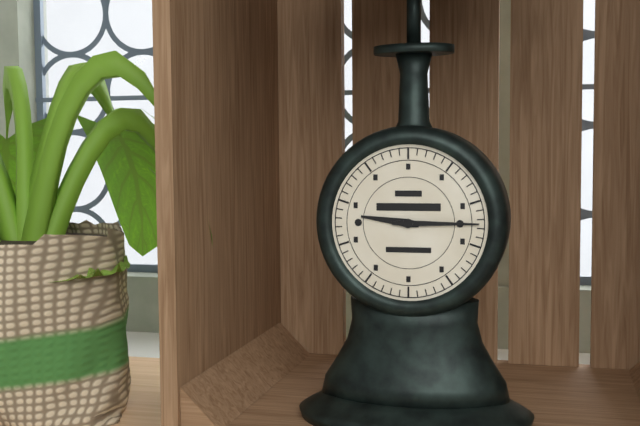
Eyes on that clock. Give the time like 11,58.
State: 9,15
